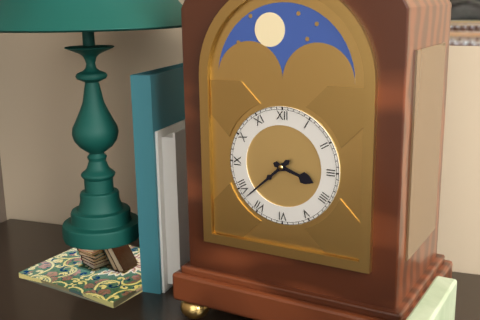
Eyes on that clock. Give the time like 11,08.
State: 3,38
